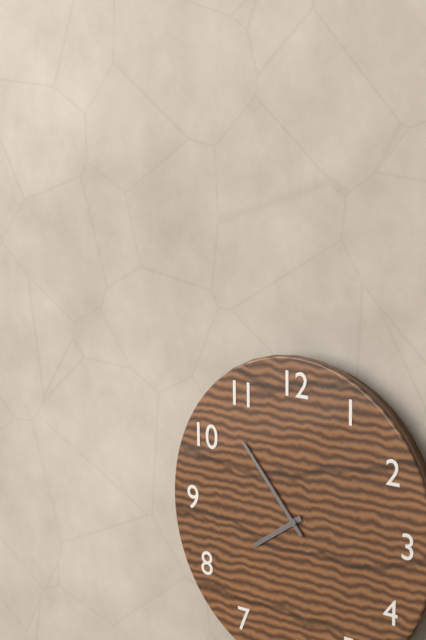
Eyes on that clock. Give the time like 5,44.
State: 7,53
